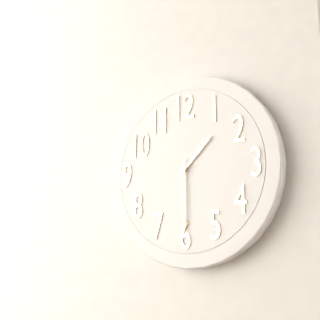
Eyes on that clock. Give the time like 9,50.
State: 1,30
